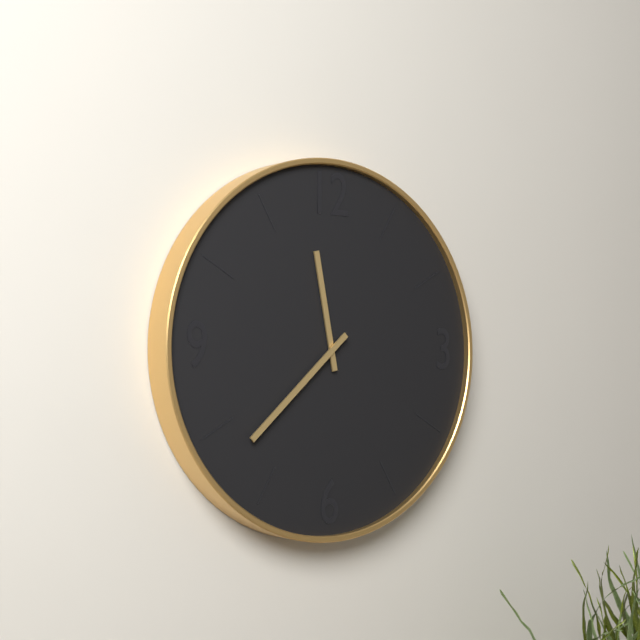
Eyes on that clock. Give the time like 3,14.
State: 11,38
